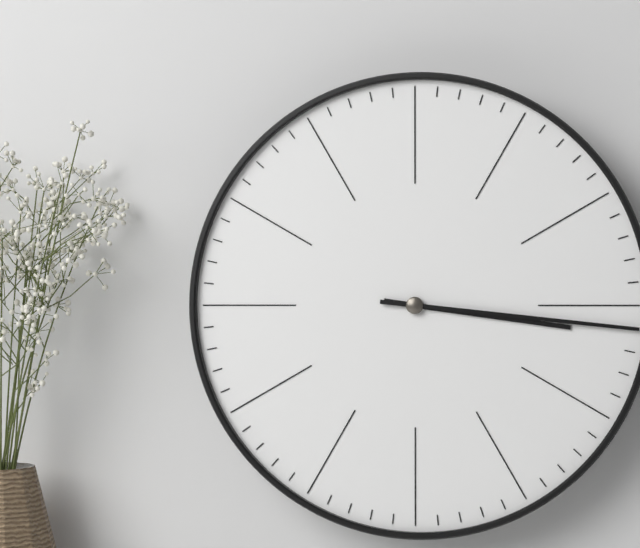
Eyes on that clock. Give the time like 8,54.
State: 3,16
